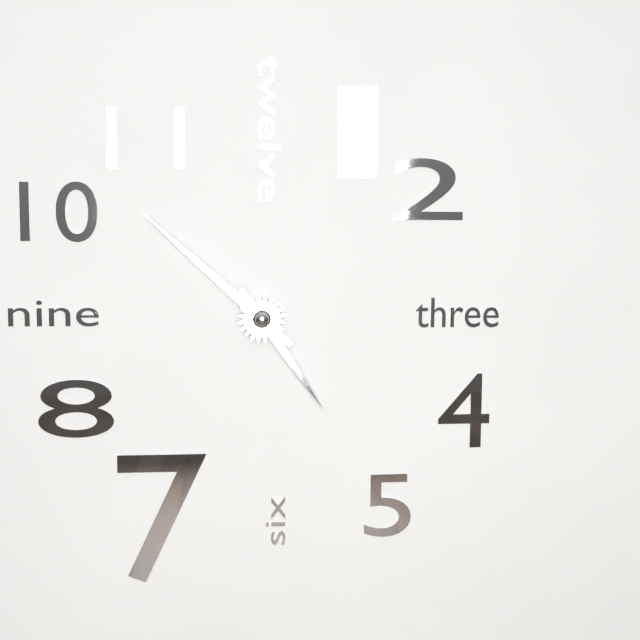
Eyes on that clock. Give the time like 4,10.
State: 4,52
